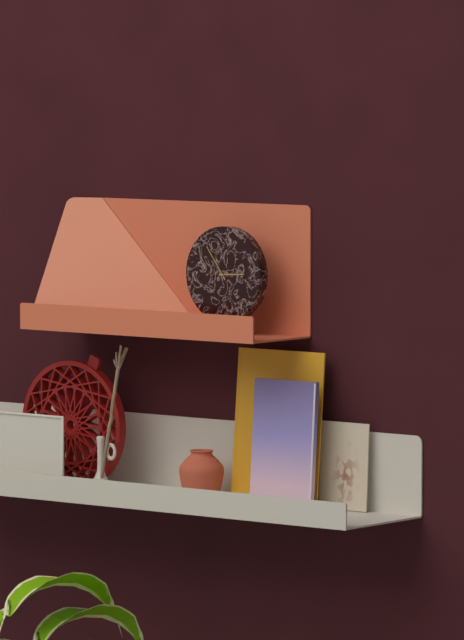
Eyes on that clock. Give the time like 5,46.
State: 2,54
